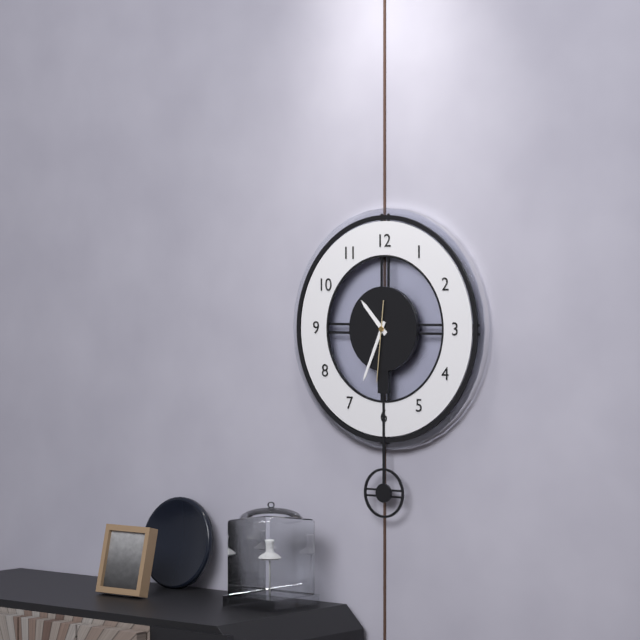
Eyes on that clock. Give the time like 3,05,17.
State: 10,34,31
